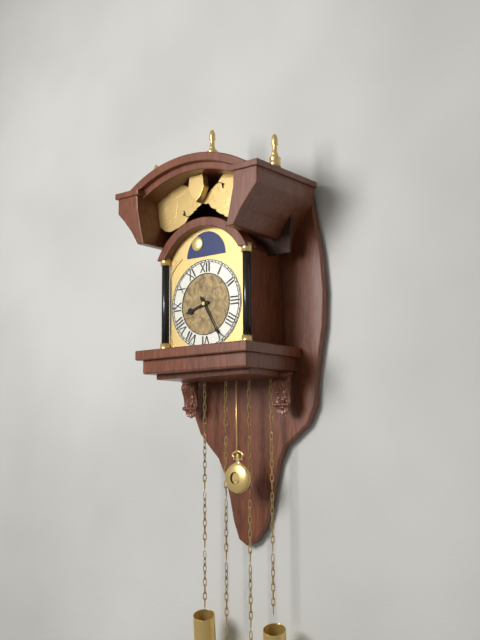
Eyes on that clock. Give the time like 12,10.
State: 8,25
